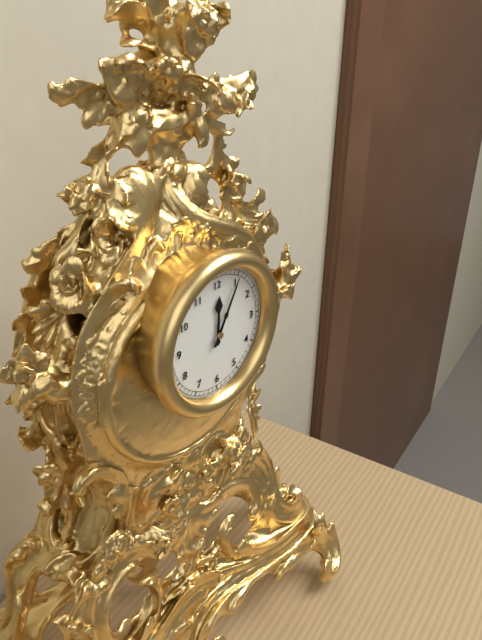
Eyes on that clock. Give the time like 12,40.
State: 12,05
